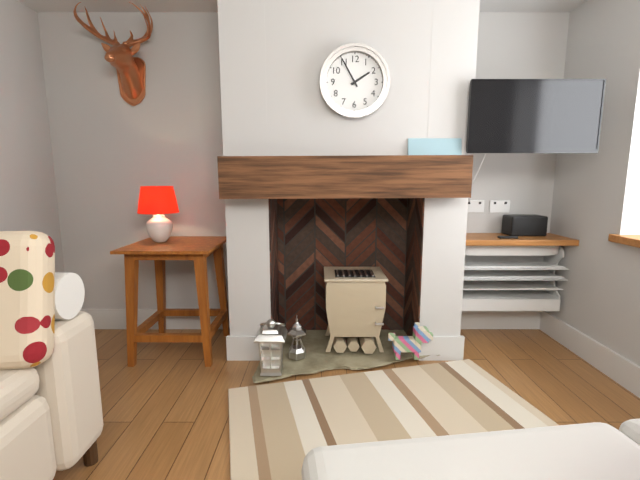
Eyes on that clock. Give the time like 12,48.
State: 1,55
